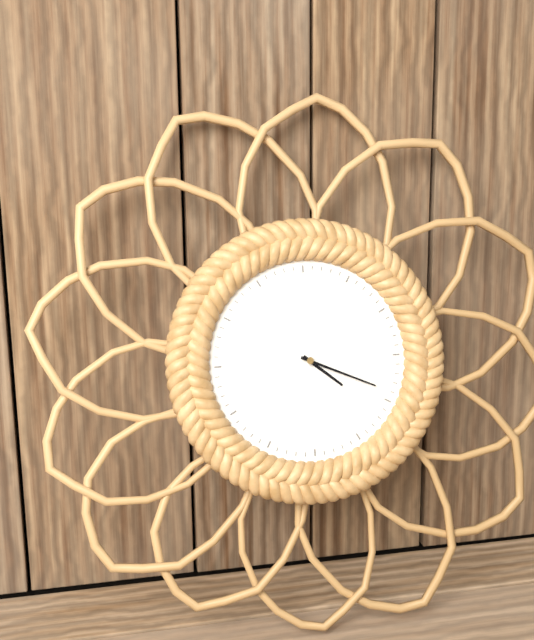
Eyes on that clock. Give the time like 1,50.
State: 4,19
